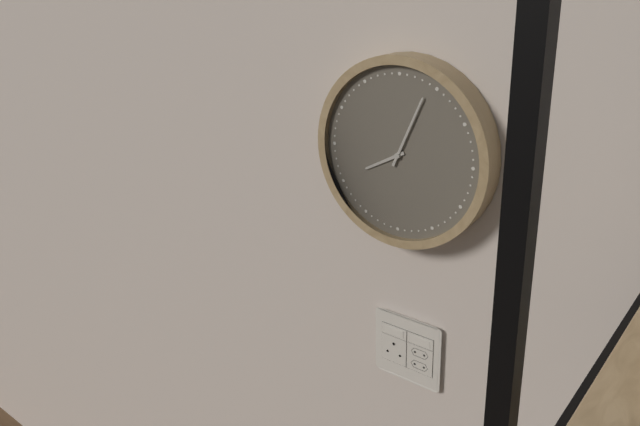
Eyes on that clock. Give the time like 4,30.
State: 8,04
